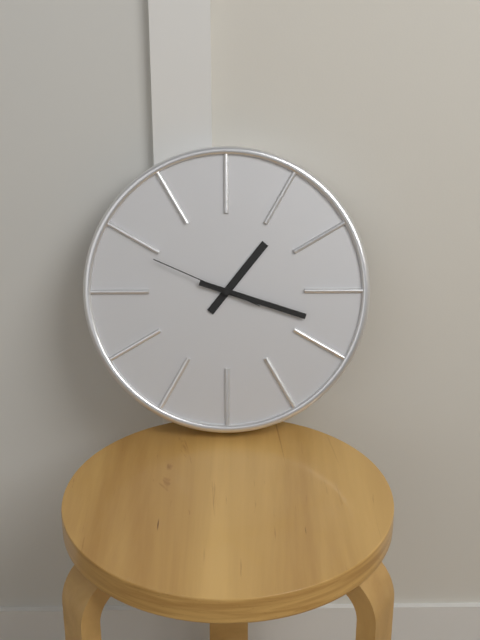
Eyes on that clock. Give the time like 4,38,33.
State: 1,18,49
